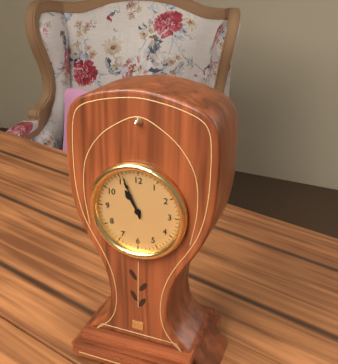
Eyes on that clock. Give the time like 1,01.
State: 10,56
